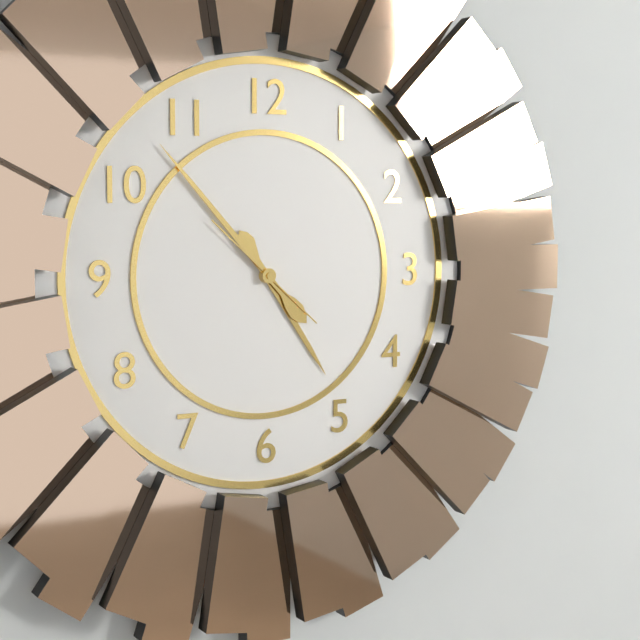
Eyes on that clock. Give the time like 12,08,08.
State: 4,53,52
